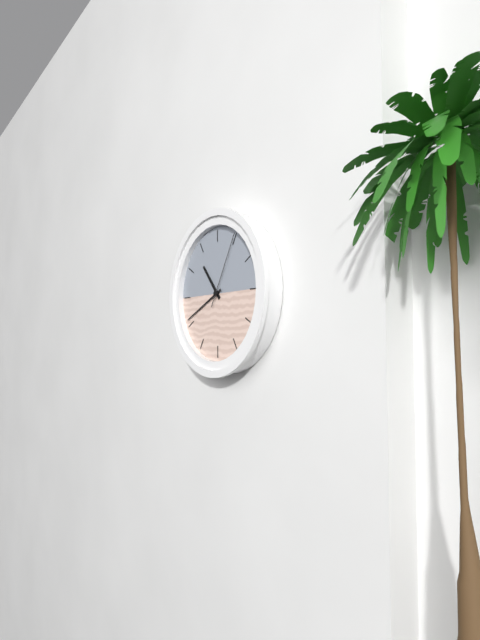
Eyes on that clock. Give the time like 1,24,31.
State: 10,41,05
